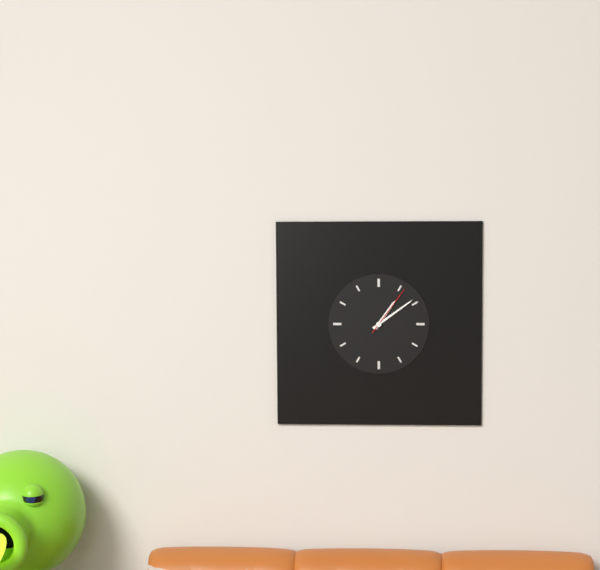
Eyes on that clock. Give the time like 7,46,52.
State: 1,09,06
